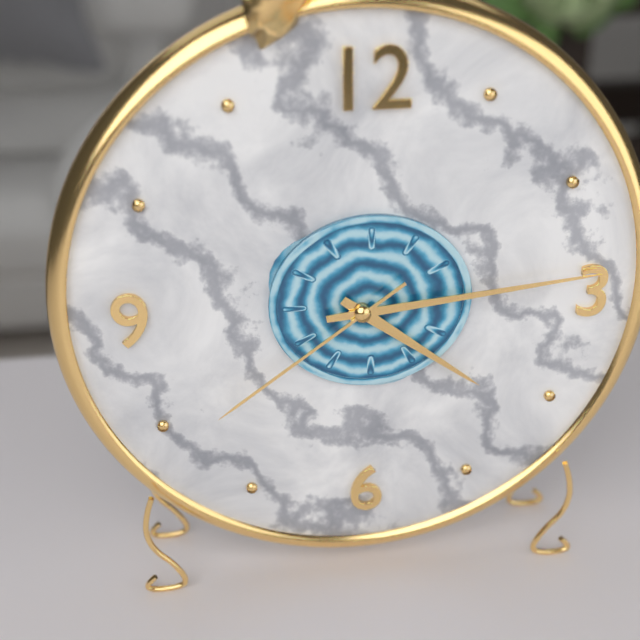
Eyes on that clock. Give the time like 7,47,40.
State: 4,14,39
